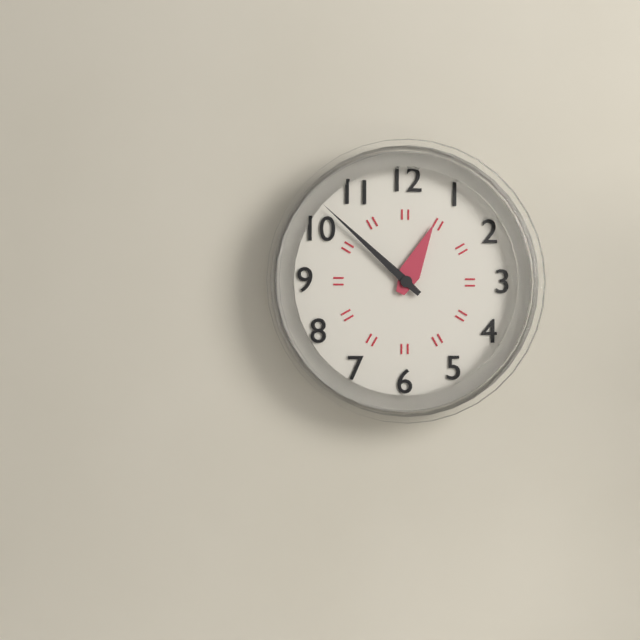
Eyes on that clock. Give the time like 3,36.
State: 12,52
